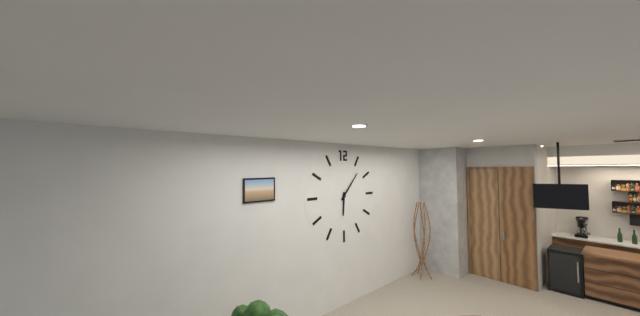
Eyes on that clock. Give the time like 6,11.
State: 6,07
